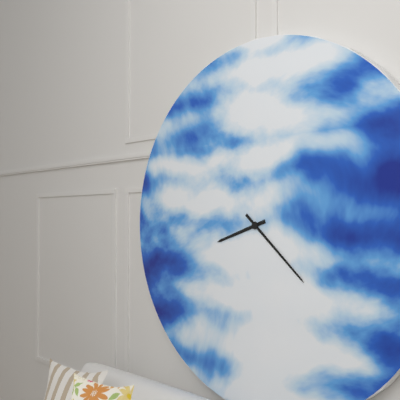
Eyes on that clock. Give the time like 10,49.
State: 8,22
